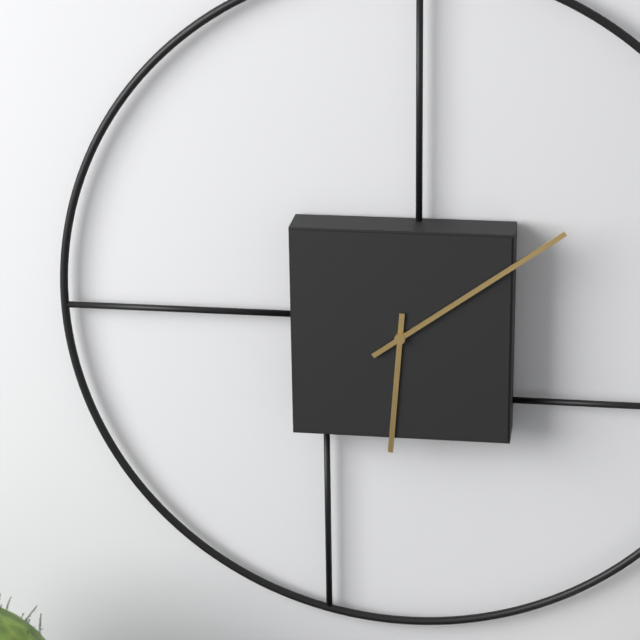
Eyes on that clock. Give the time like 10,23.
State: 6,09
